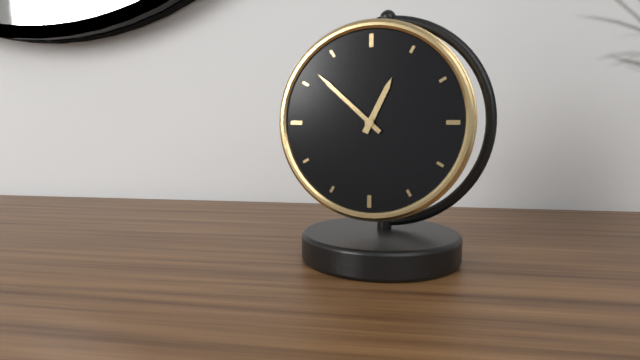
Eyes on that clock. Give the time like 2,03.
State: 12,52
